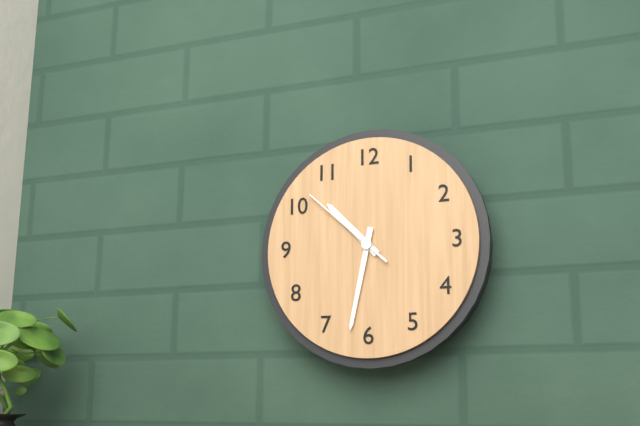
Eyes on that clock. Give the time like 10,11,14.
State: 10,32,52
